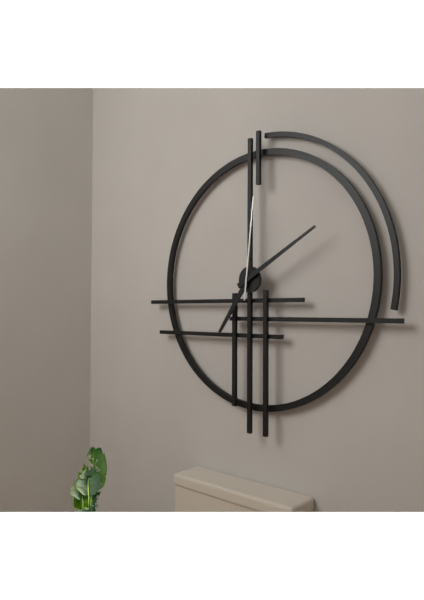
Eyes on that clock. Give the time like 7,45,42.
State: 7,10,01
